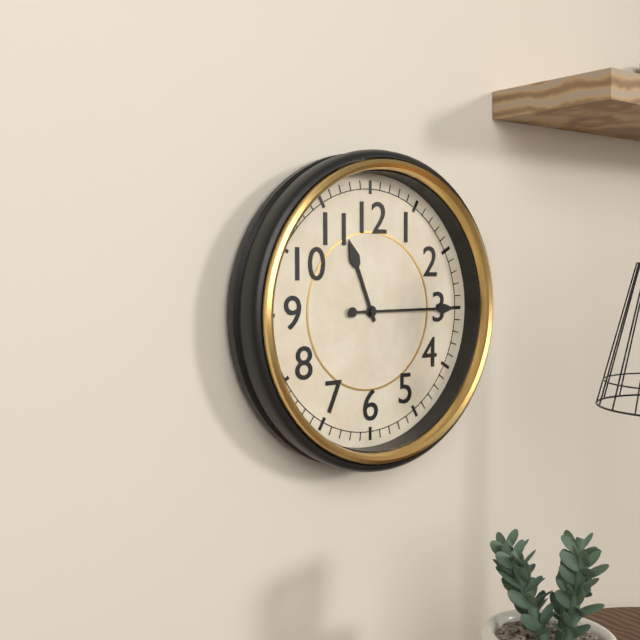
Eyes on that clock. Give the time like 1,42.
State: 11,15
